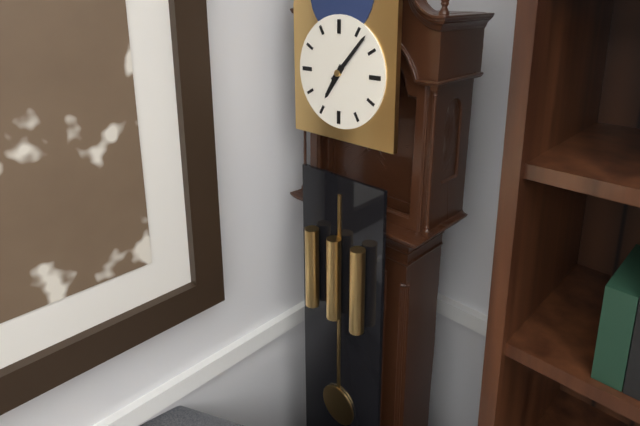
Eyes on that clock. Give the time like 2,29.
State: 7,07
